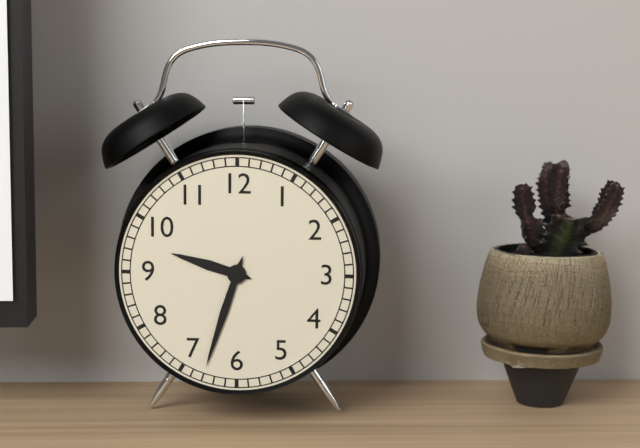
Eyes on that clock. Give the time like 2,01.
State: 9,33
